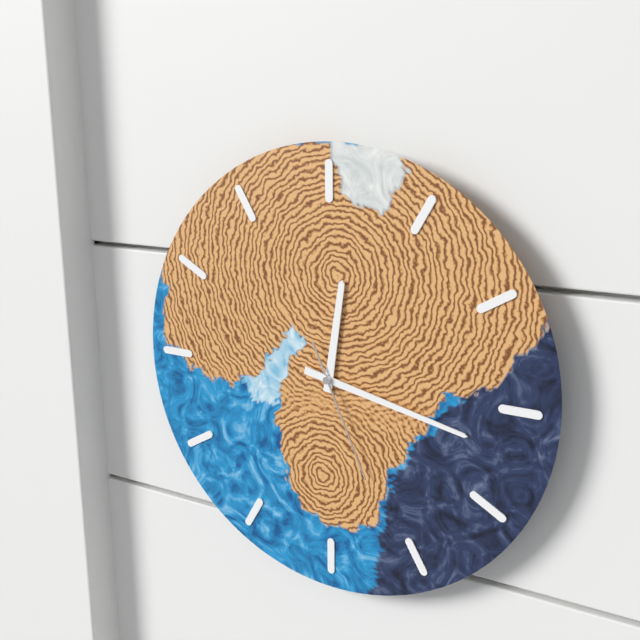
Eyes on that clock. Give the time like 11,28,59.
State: 12,17,26
